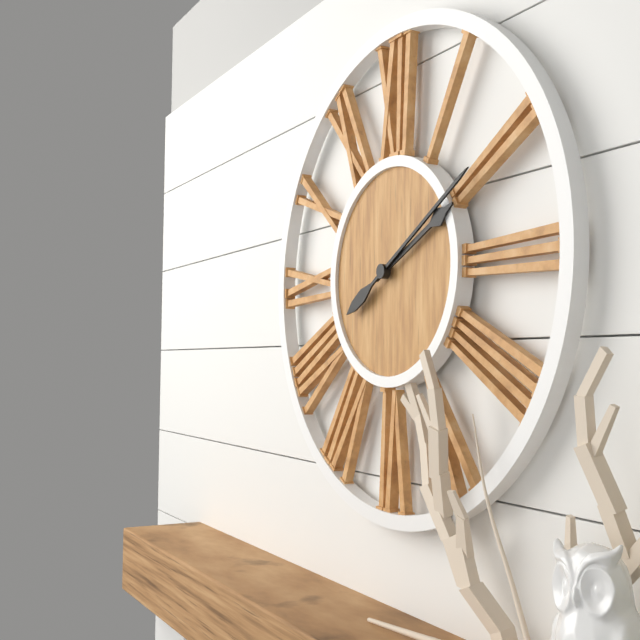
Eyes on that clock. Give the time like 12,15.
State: 2,10
